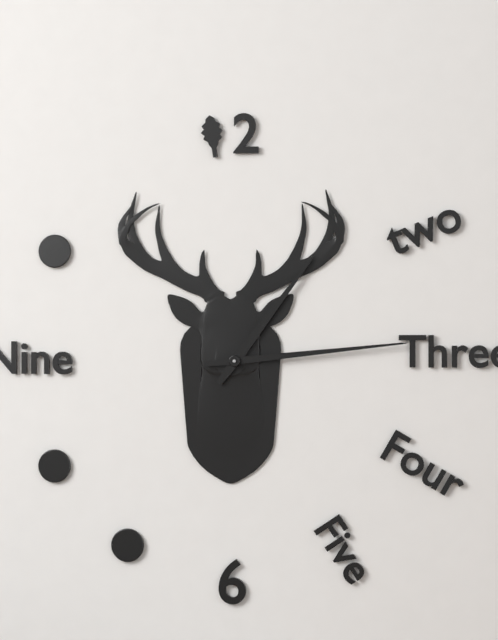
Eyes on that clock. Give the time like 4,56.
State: 1,14
